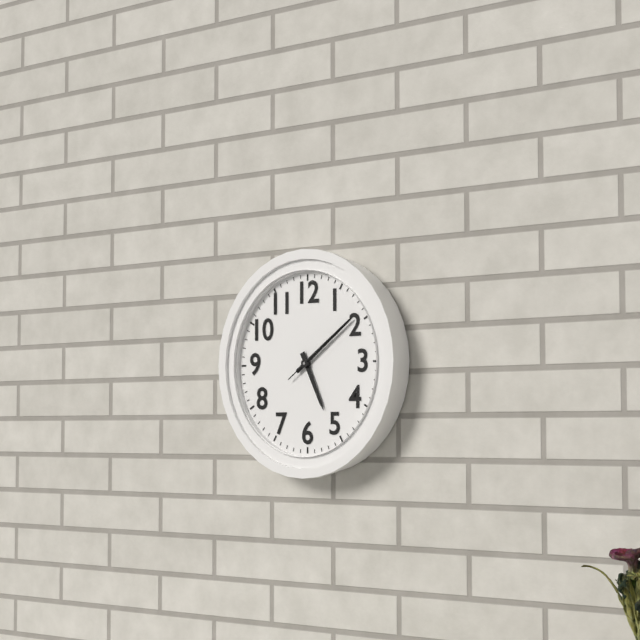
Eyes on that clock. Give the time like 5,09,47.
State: 5,09,09
